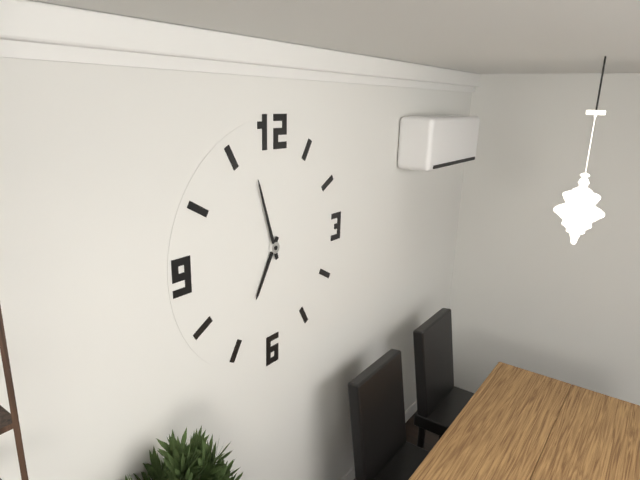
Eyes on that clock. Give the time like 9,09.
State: 6,57
